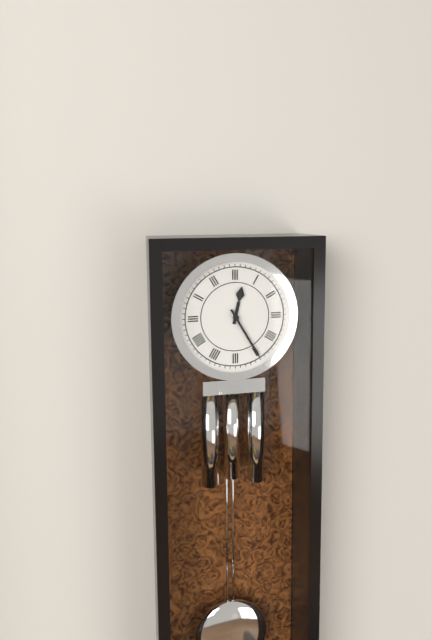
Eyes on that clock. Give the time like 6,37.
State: 12,25
